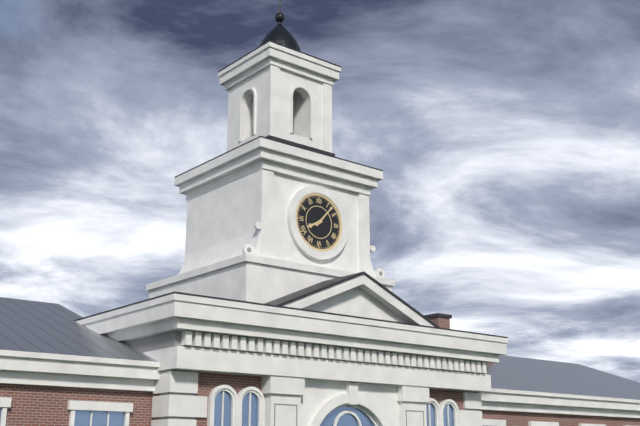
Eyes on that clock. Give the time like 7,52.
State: 8,07
